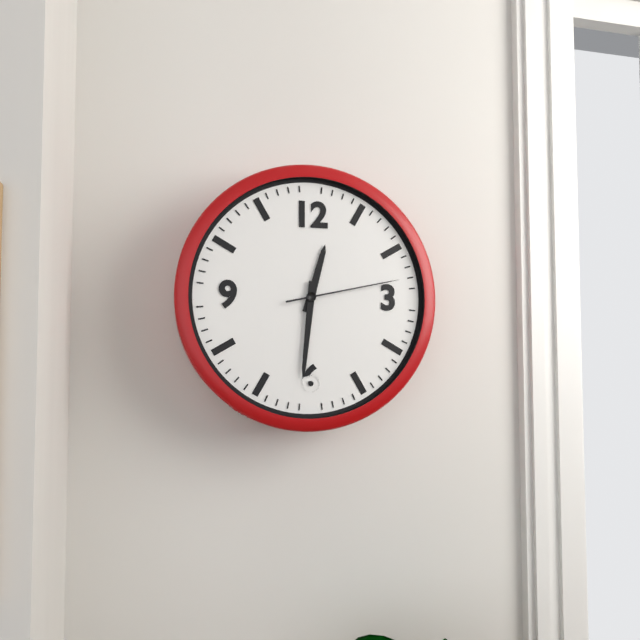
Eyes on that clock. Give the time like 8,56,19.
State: 12,31,13
